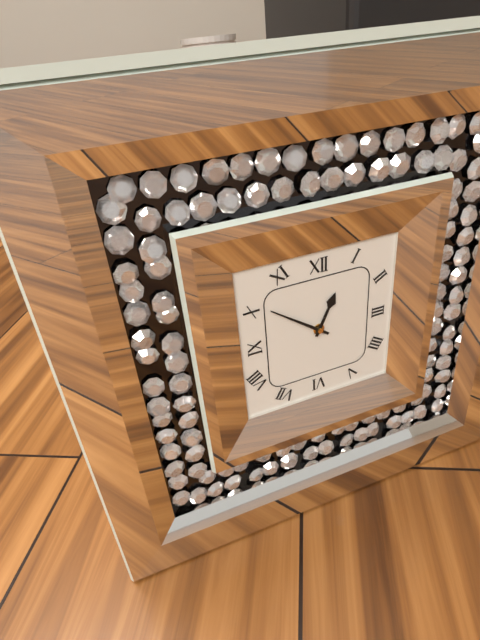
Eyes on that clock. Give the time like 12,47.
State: 12,51
